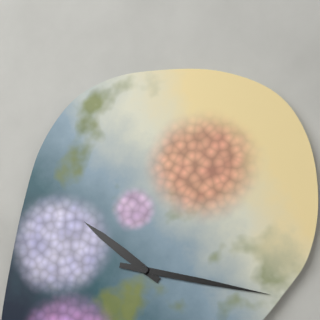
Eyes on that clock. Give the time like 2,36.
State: 10,17
